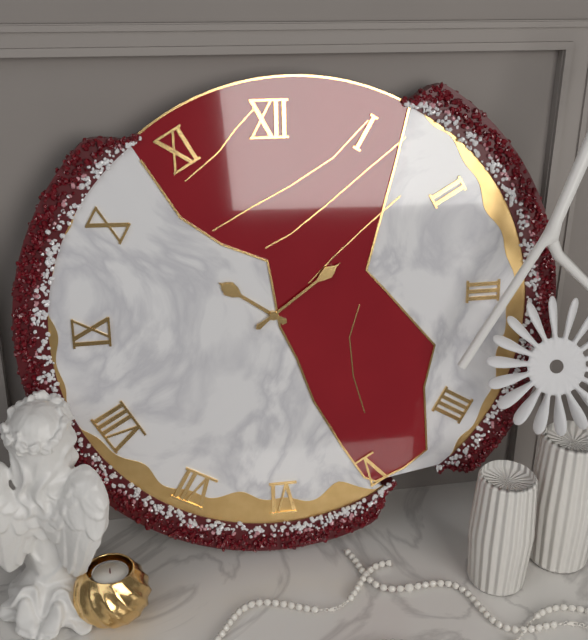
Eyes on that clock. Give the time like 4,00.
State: 10,09
